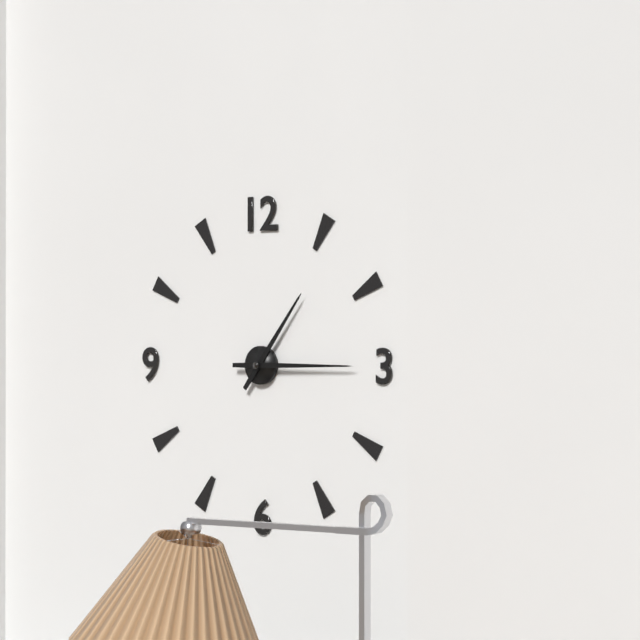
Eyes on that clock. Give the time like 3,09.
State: 1,15
